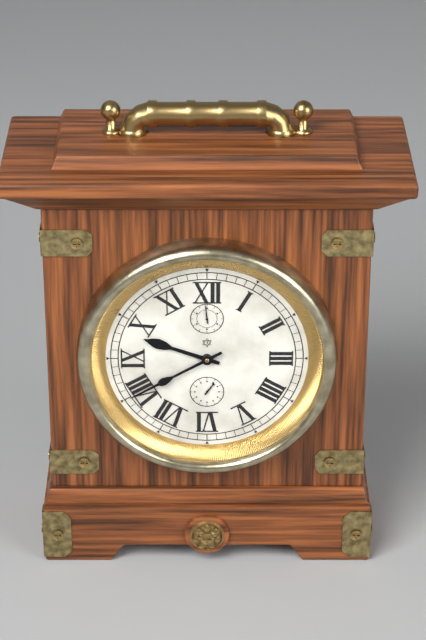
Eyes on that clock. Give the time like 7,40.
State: 9,40
